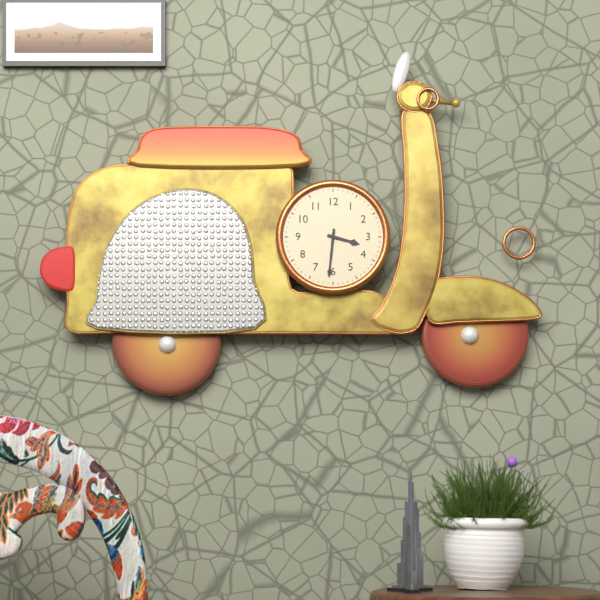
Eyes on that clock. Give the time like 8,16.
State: 3,31
